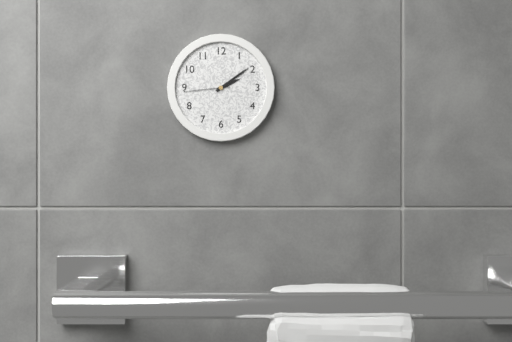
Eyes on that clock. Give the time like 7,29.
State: 2,09
